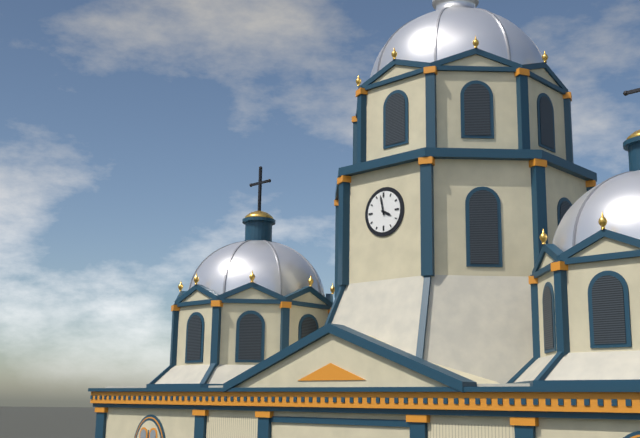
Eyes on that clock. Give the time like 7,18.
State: 3,58
